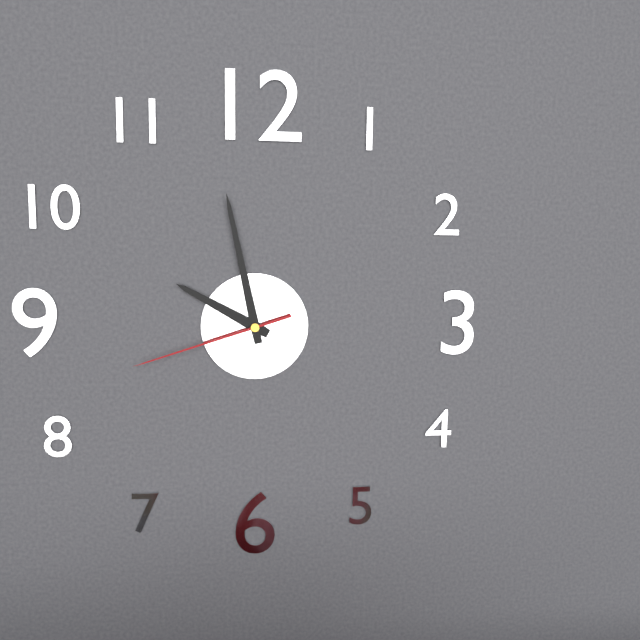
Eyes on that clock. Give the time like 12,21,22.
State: 9,58,42
